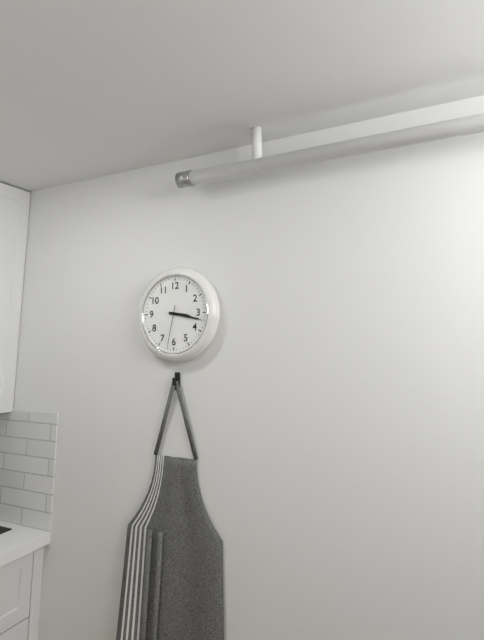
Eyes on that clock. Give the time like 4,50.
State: 3,17
